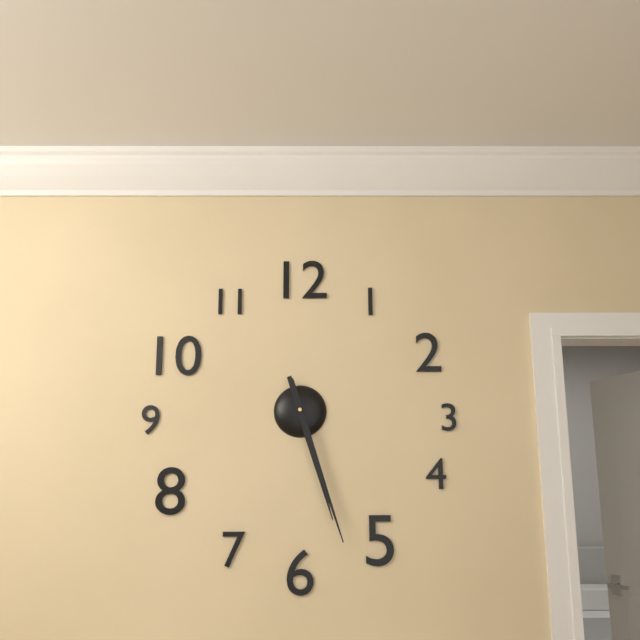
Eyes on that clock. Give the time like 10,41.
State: 5,27
